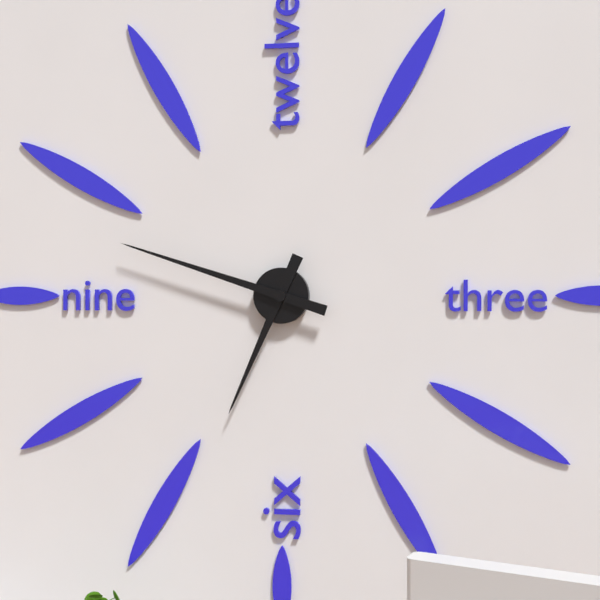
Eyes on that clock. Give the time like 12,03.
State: 6,48
